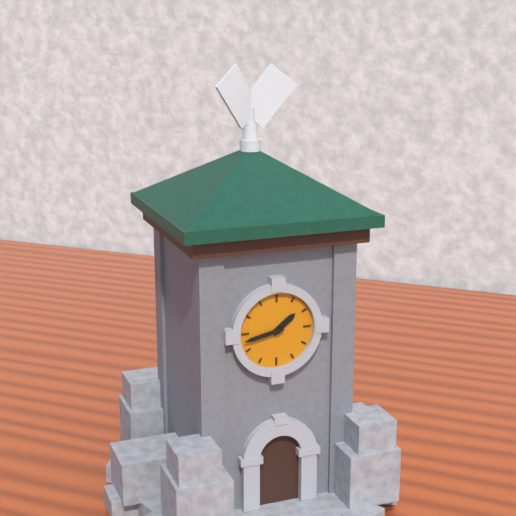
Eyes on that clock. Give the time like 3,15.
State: 1,43
